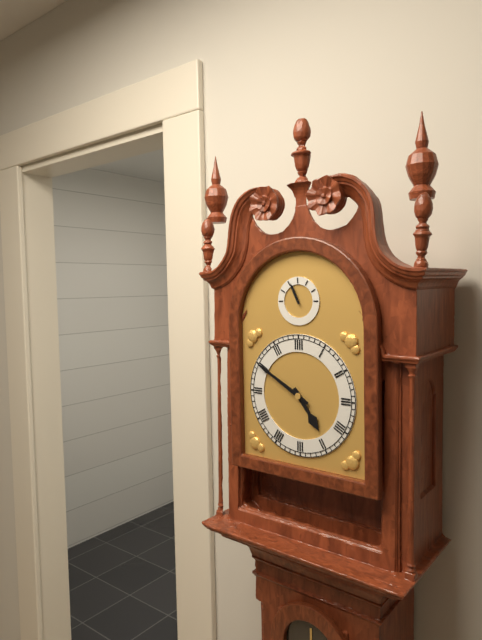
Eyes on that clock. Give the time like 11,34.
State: 4,50
